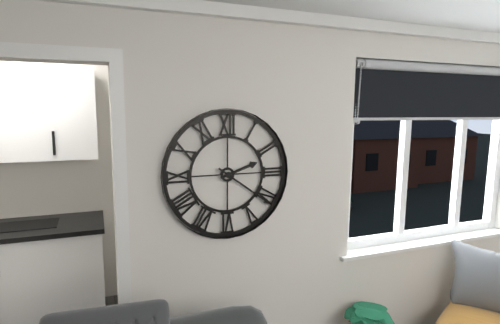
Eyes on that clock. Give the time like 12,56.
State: 2,21
